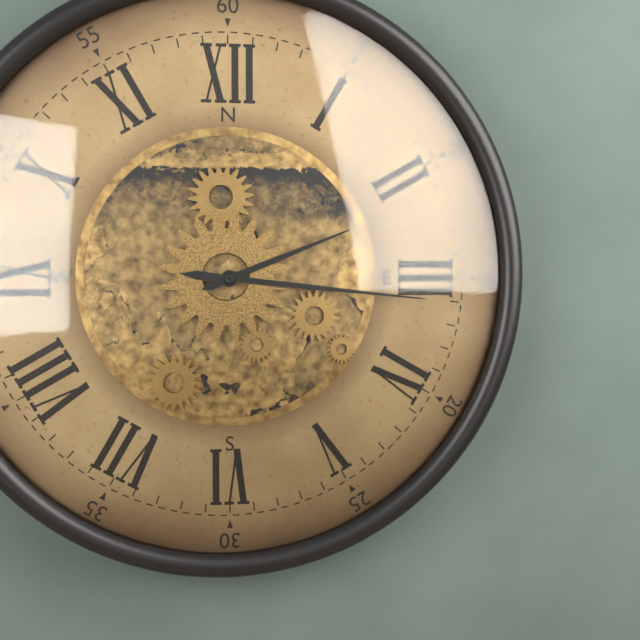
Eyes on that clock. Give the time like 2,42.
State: 2,16
